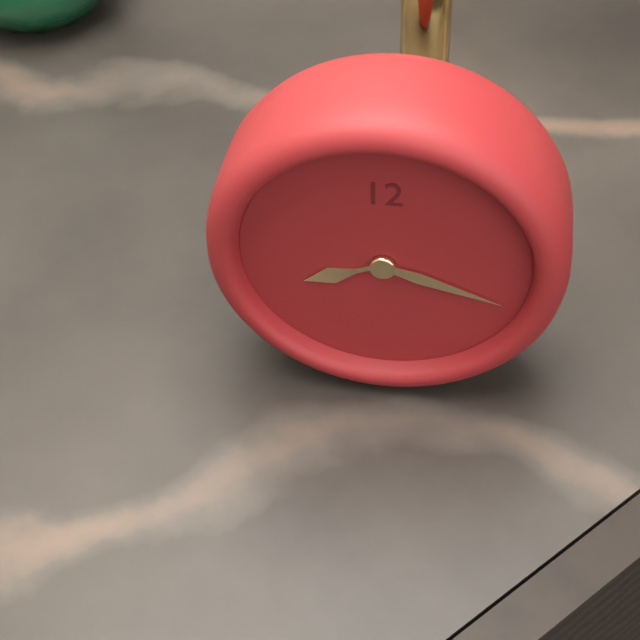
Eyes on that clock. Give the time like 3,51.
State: 8,18
